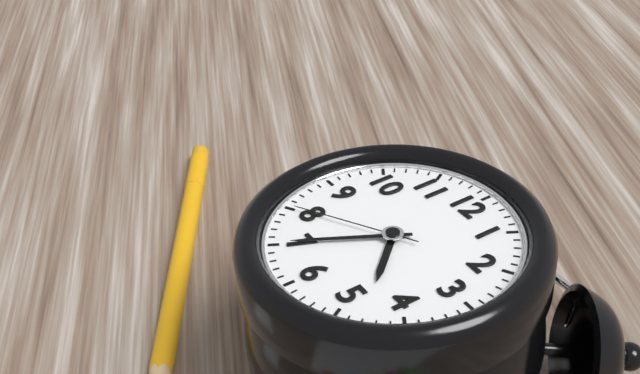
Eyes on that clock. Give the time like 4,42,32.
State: 4,35,40
